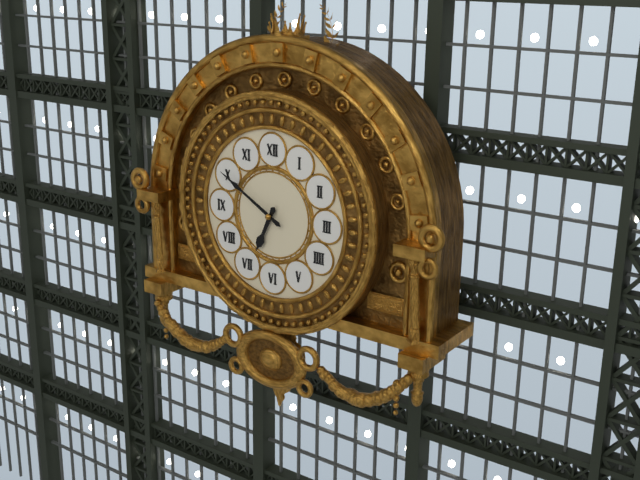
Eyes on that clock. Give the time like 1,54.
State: 6,50
